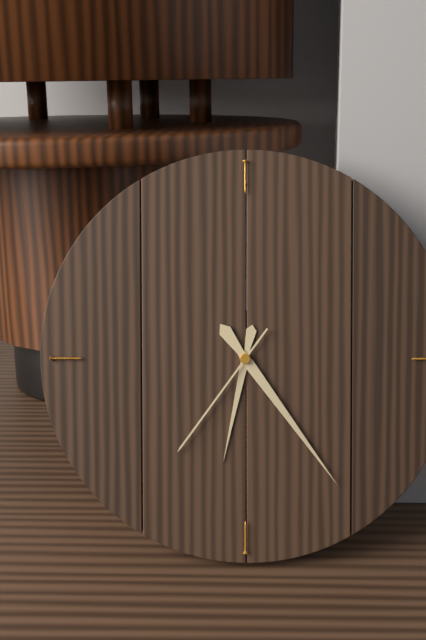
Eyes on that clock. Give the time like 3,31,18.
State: 6,24,36
